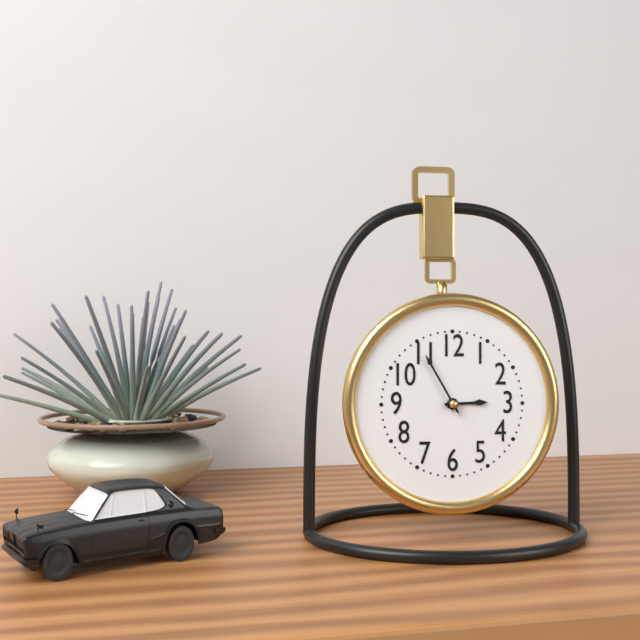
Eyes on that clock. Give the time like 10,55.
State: 2,55
